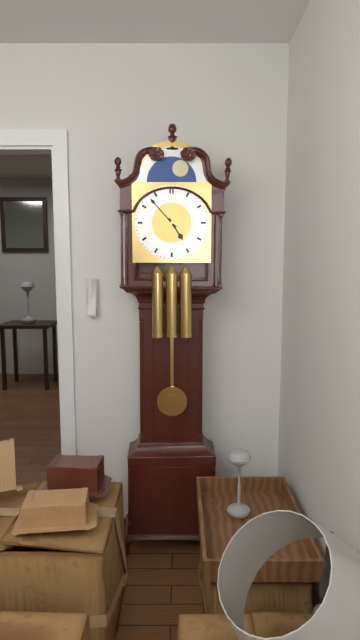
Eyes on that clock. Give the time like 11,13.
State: 4,53
